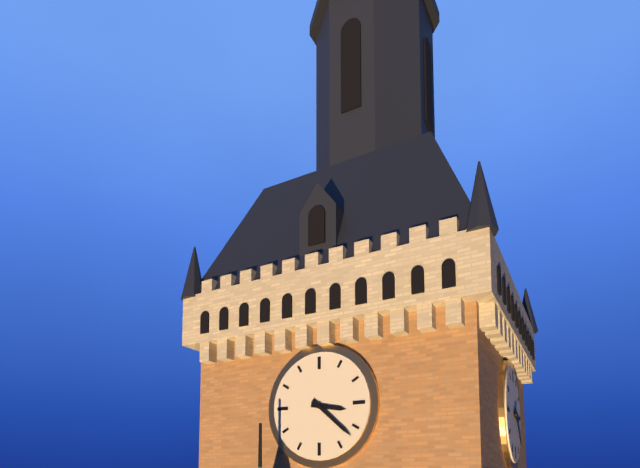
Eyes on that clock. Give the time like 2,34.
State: 3,22
